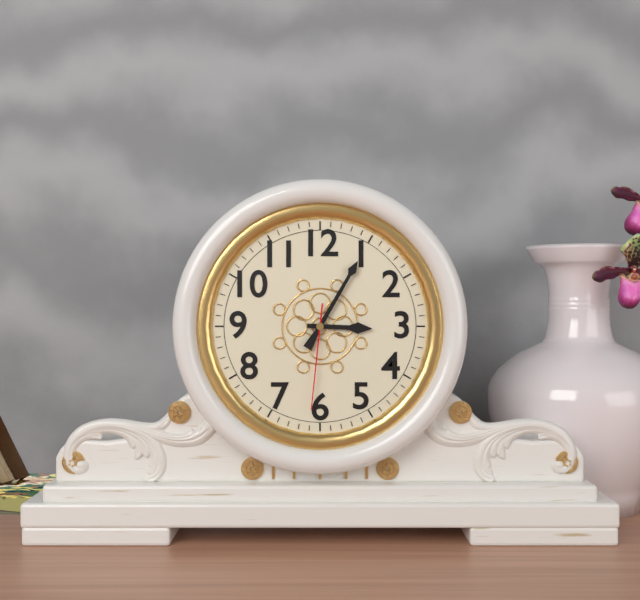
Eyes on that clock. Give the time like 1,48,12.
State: 3,05,31
